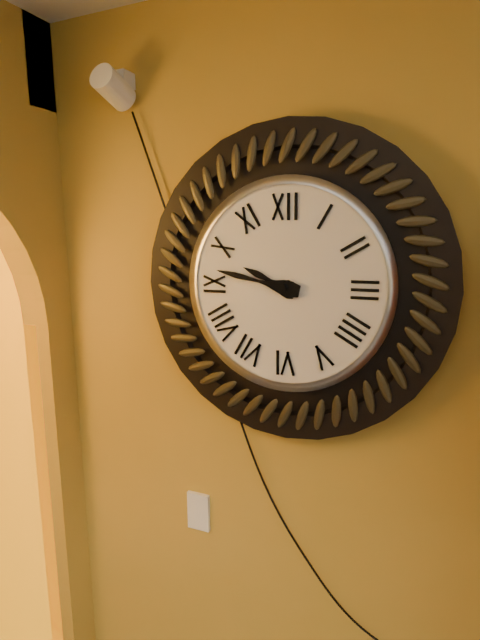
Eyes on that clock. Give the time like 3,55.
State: 9,47
